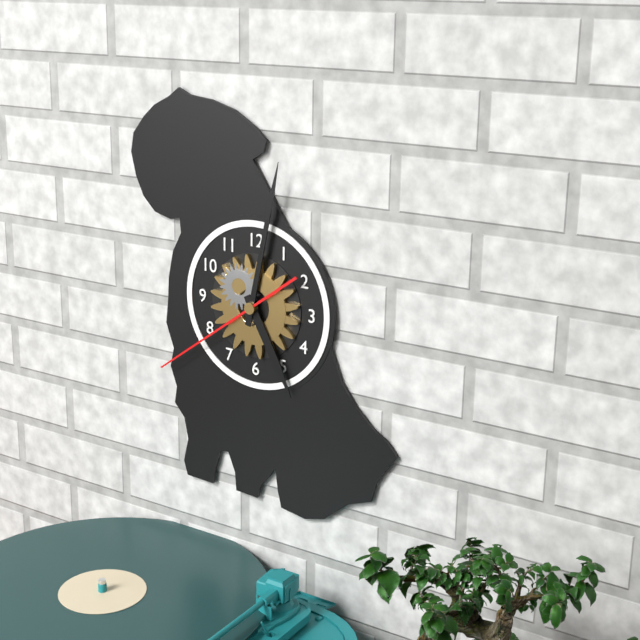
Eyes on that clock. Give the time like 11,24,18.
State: 5,02,39
